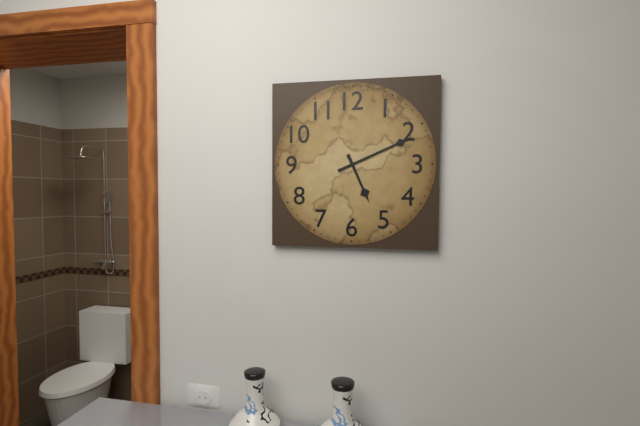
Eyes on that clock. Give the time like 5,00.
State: 5,11
